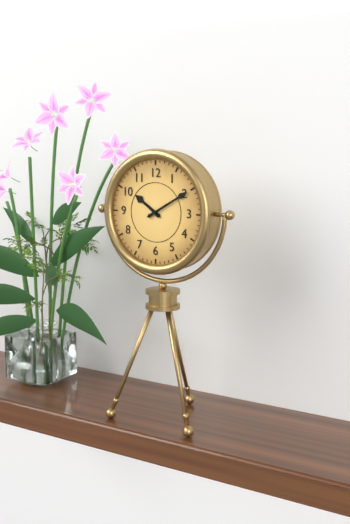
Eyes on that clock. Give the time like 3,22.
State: 10,10
